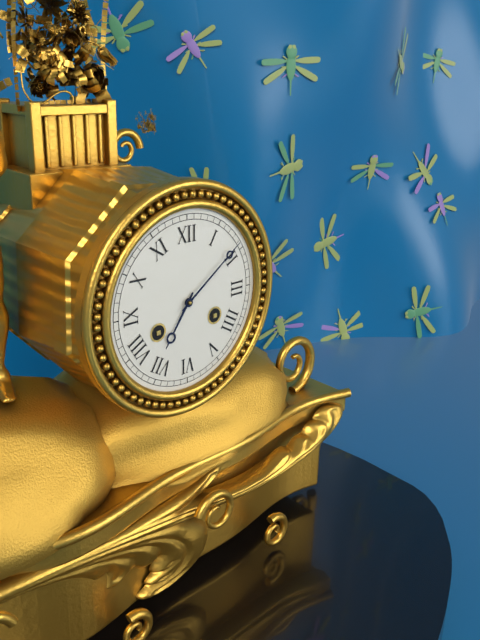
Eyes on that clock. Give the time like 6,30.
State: 7,09
